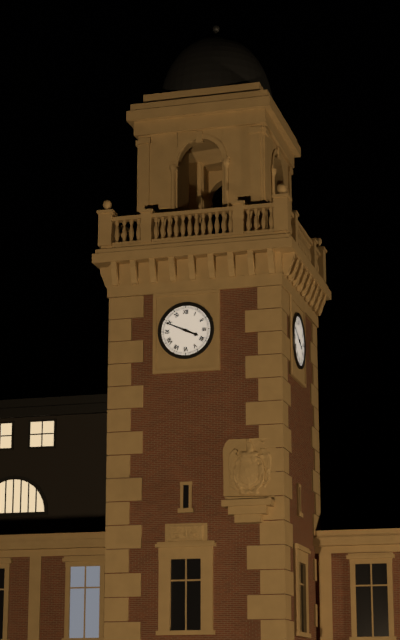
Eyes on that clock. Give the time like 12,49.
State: 3,49
